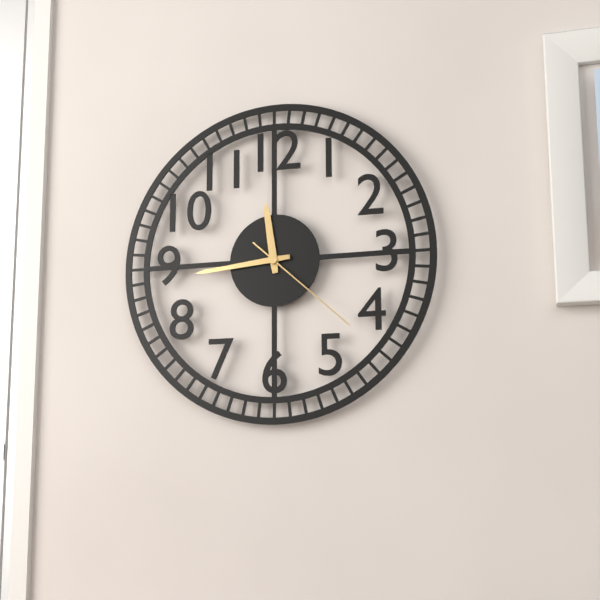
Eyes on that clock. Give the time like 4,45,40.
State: 11,44,22
